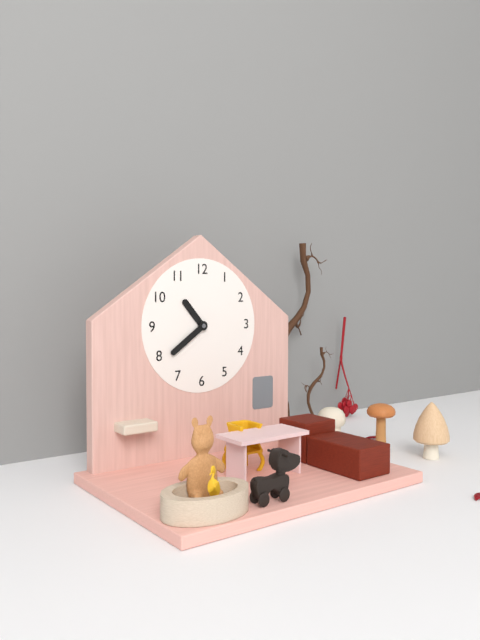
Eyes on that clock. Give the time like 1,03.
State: 10,39
